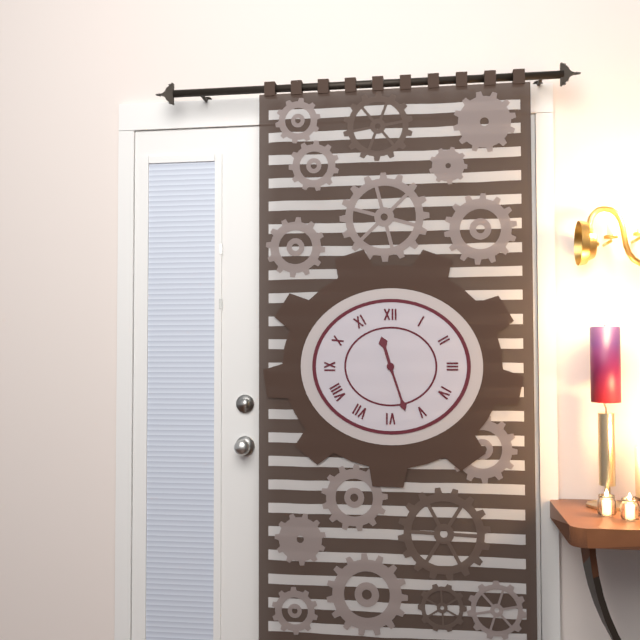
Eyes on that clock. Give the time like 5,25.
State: 11,27
